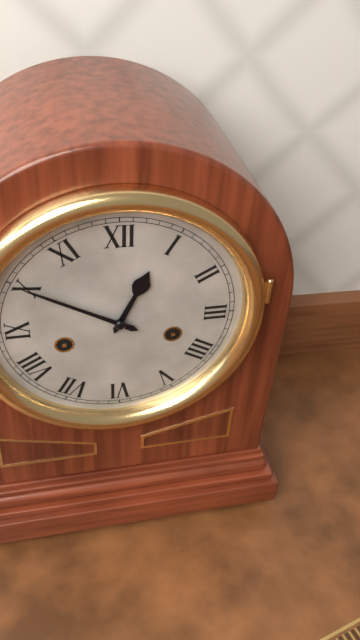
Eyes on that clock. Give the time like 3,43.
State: 12,50
